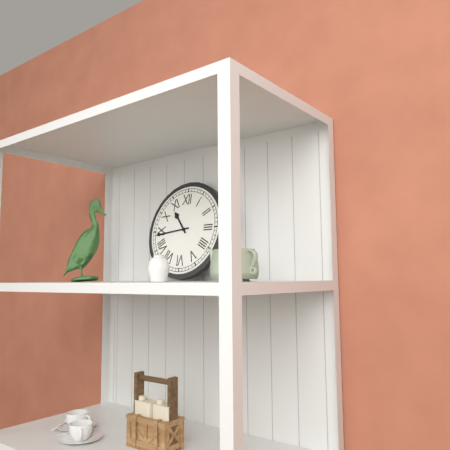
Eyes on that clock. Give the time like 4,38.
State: 10,44
